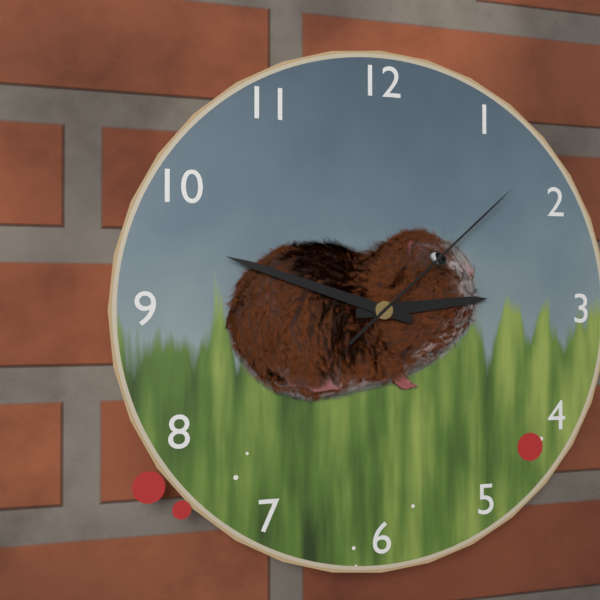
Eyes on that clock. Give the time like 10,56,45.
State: 2,48,08
